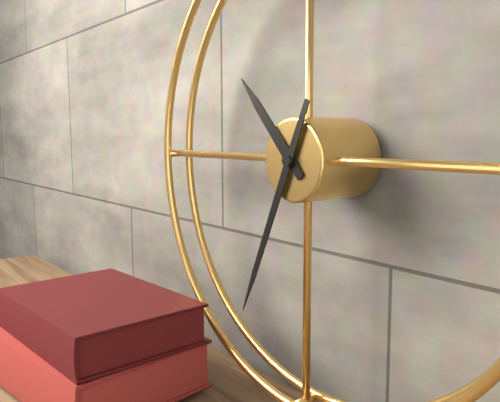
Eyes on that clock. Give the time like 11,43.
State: 10,34
